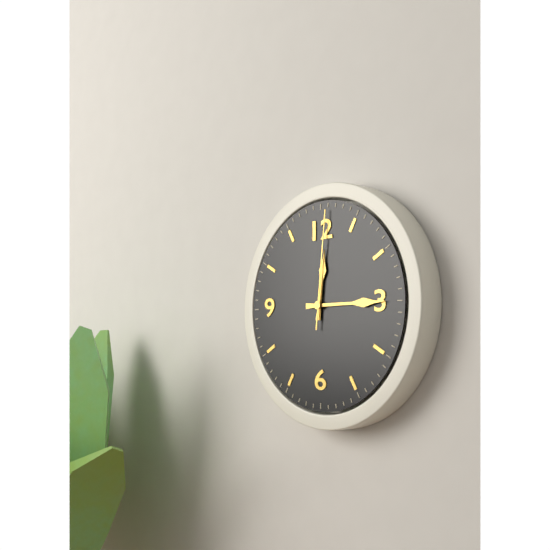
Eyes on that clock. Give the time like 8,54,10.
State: 12,15,01
